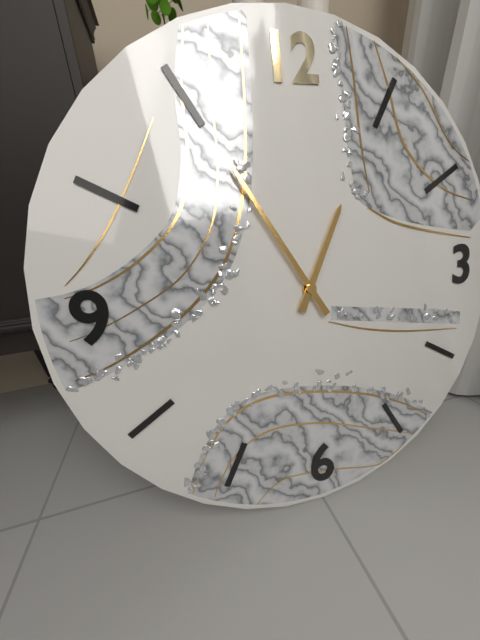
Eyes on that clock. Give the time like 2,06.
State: 12,55
